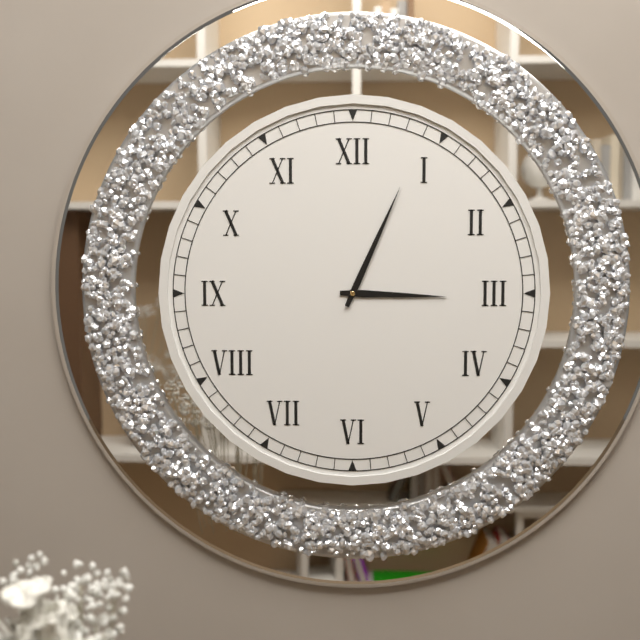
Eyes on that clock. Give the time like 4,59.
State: 3,04
